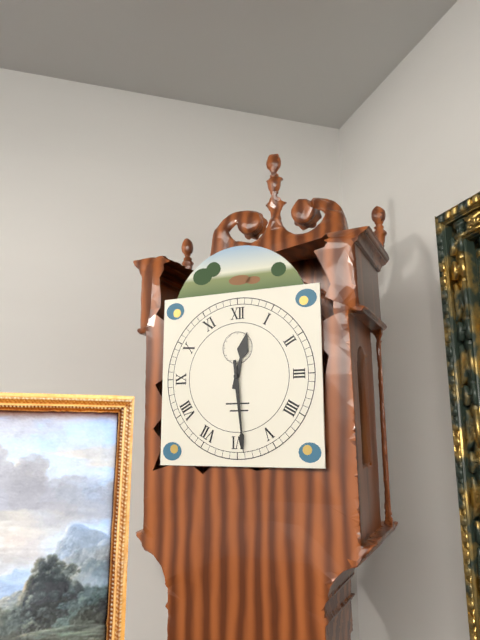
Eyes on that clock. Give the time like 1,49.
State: 12,29
